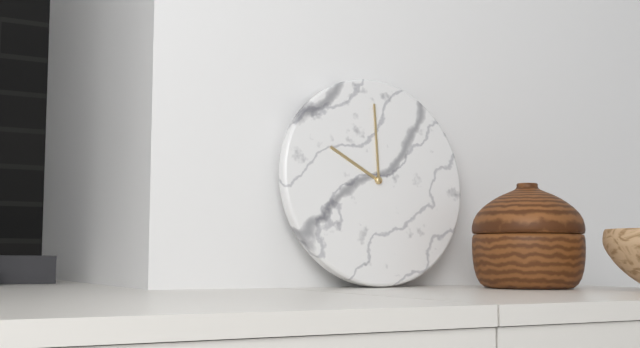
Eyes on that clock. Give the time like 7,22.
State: 10,00
